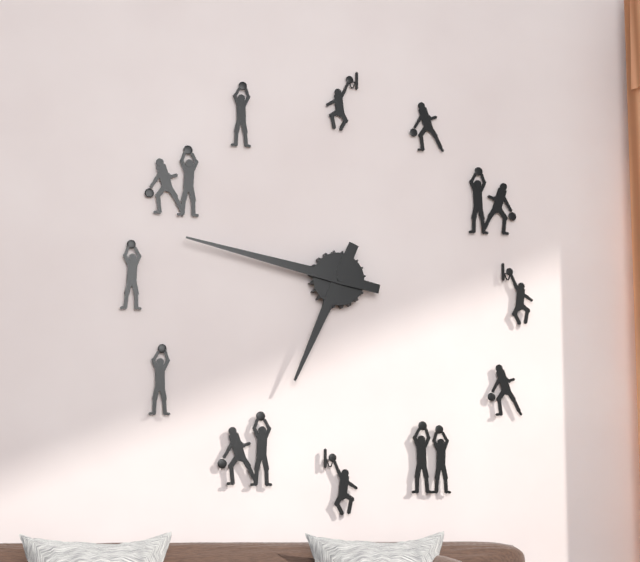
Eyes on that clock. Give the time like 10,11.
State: 6,47
